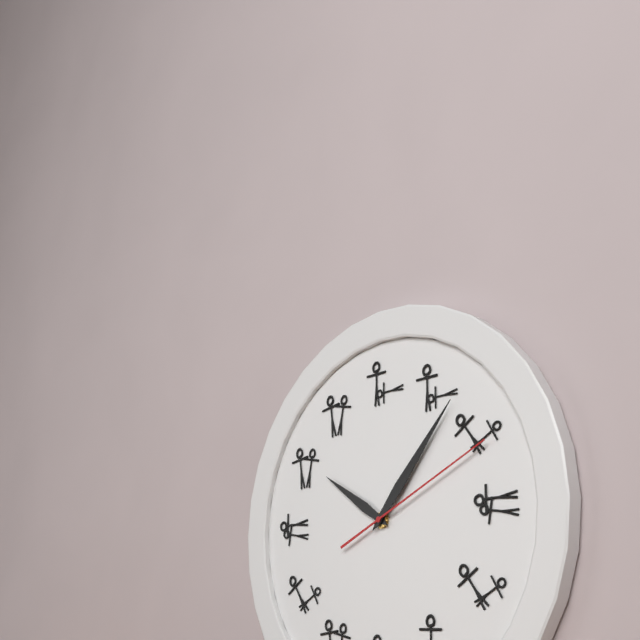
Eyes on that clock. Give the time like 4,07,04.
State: 10,07,11
